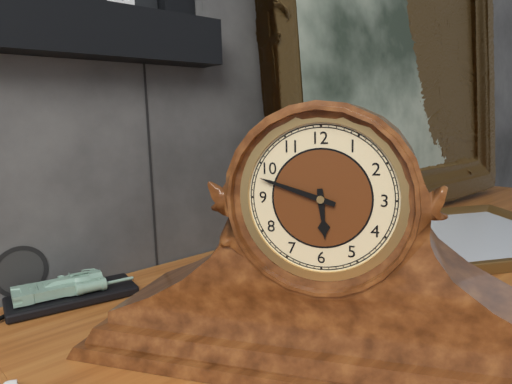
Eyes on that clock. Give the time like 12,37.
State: 5,48
